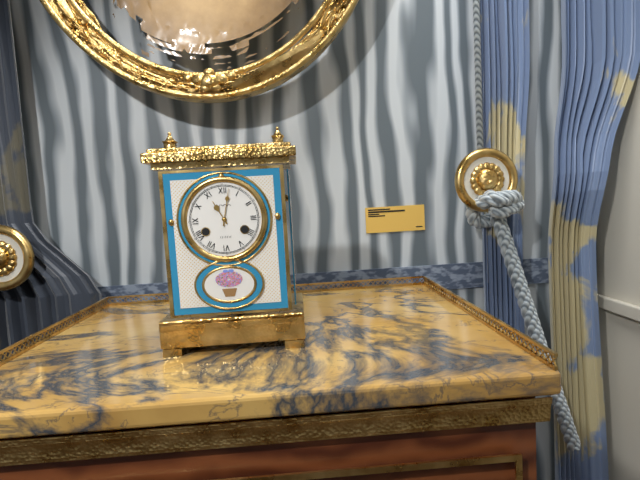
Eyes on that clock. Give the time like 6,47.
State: 11,02
